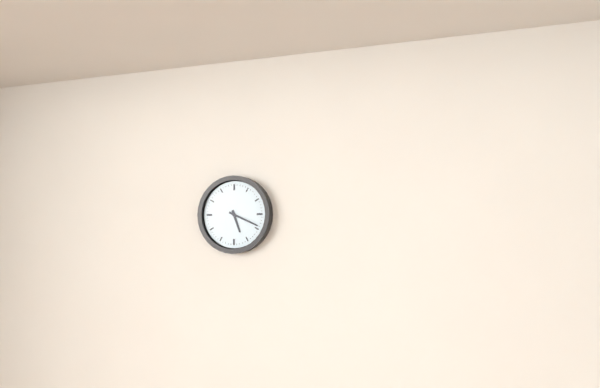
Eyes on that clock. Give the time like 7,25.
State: 5,19
